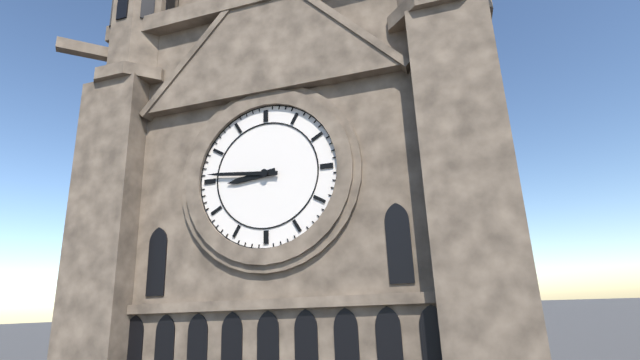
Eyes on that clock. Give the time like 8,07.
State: 8,46
